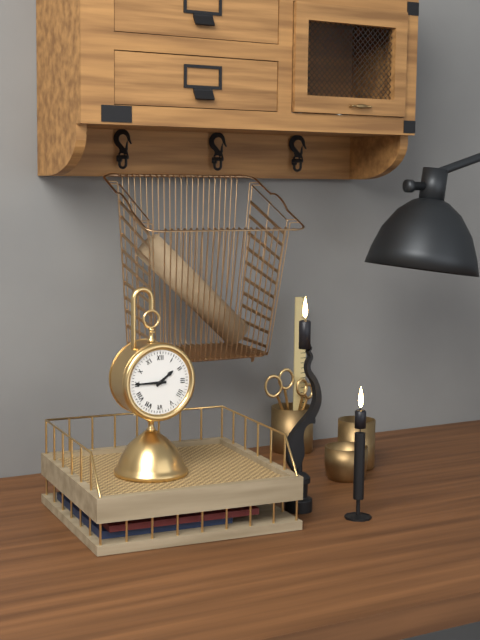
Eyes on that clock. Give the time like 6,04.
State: 1,45
